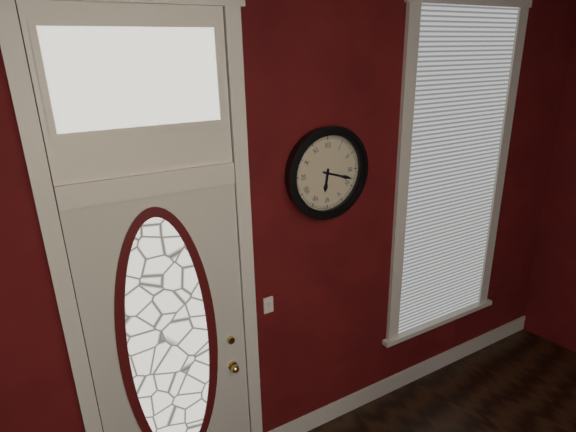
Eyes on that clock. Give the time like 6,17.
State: 6,18
